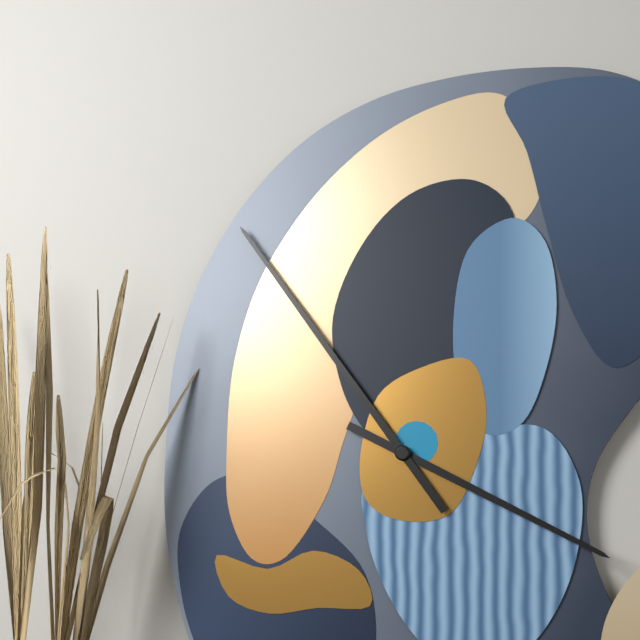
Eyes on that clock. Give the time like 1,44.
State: 3,54
